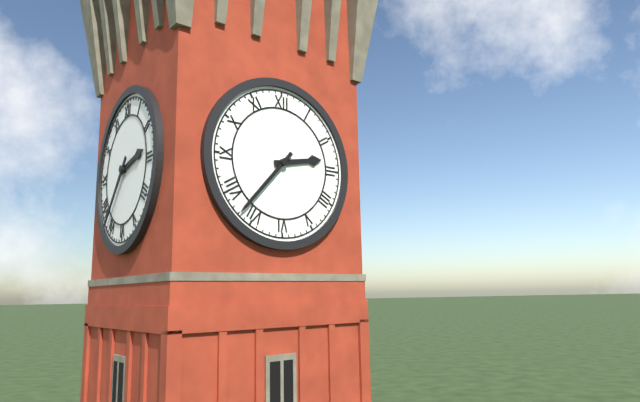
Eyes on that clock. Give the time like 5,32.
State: 2,37
